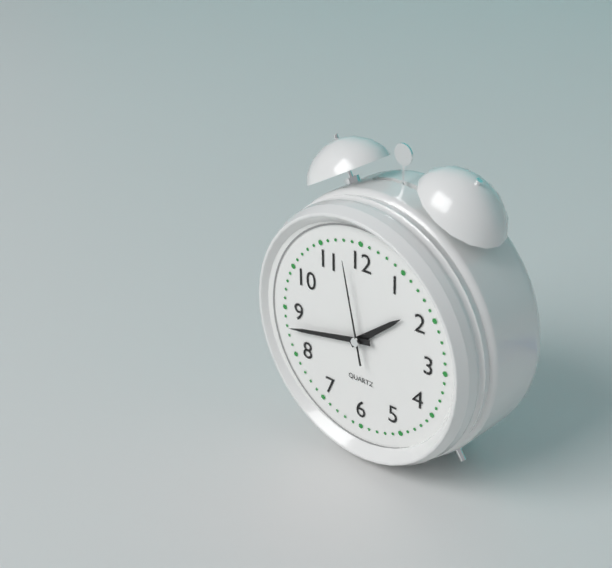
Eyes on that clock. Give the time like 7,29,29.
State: 1,43,58
